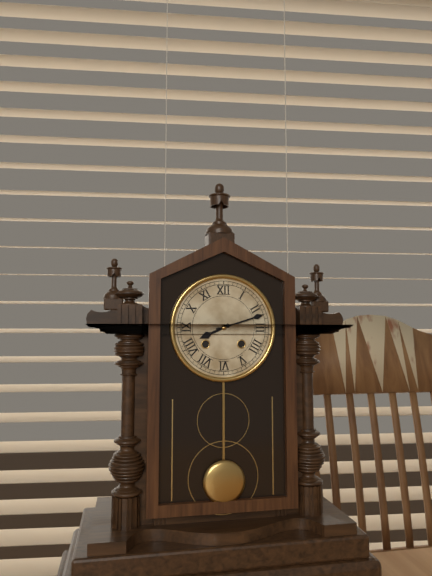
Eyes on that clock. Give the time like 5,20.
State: 8,12
